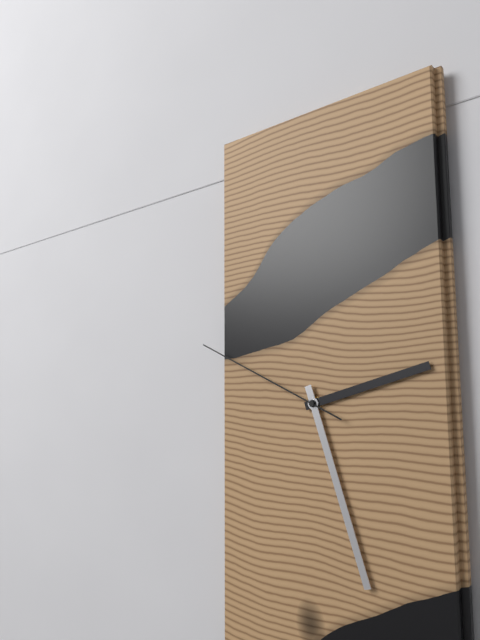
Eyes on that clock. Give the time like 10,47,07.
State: 2,27,49
